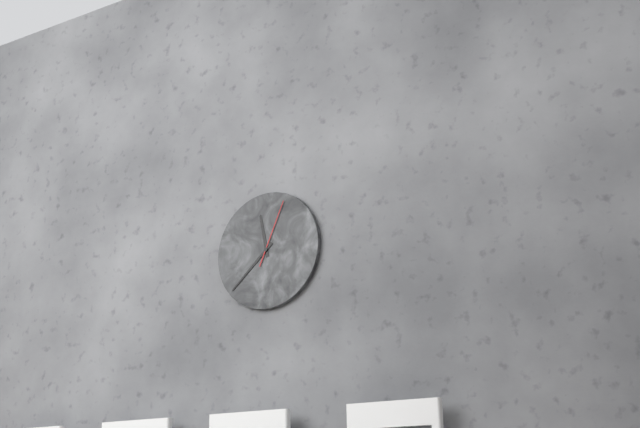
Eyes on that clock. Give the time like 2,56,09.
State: 11,38,04
